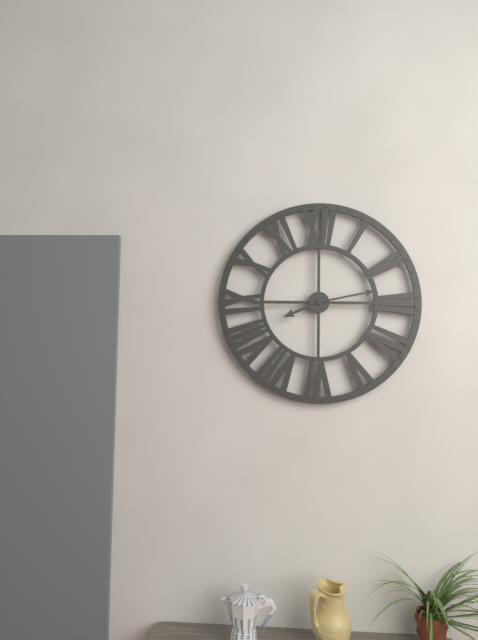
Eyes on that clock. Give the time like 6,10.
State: 8,13
